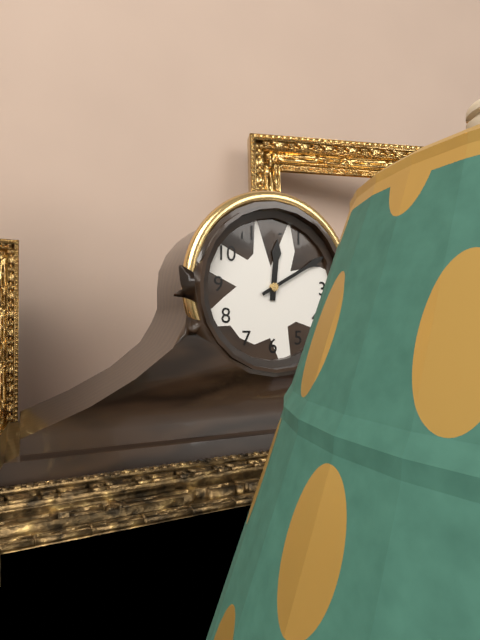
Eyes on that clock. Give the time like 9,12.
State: 12,10
